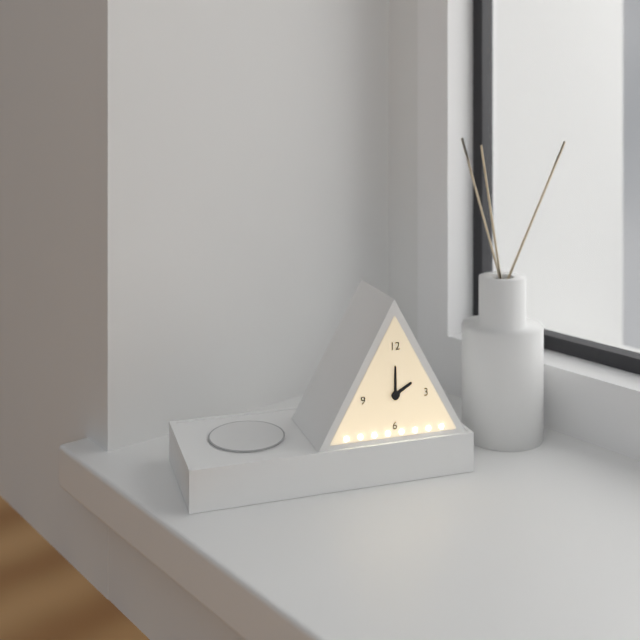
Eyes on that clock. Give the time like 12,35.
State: 2,00
